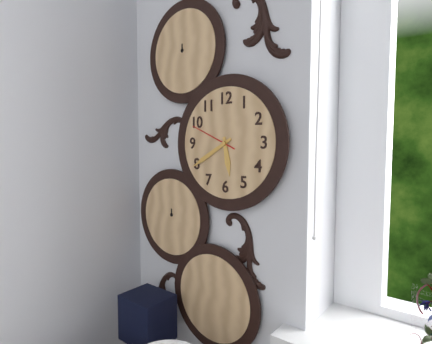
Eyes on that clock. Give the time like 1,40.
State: 5,40
